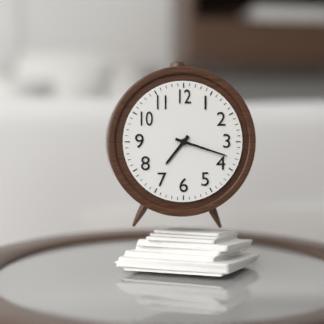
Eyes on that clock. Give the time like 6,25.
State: 7,18
